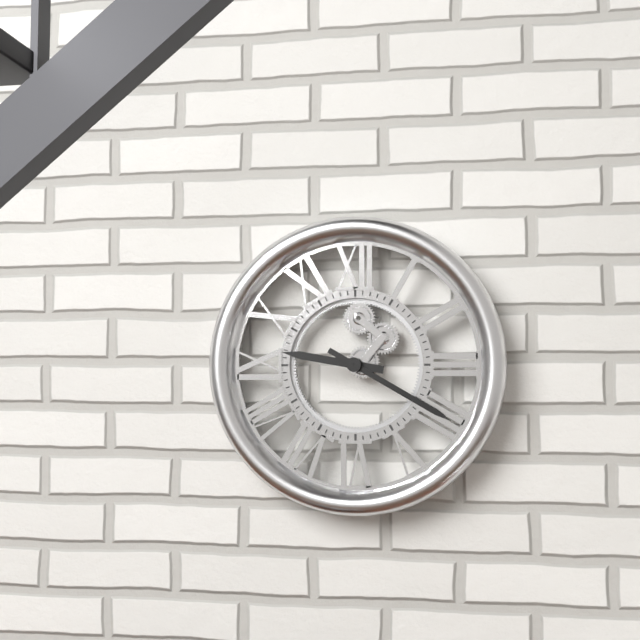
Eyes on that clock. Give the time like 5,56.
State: 9,20
